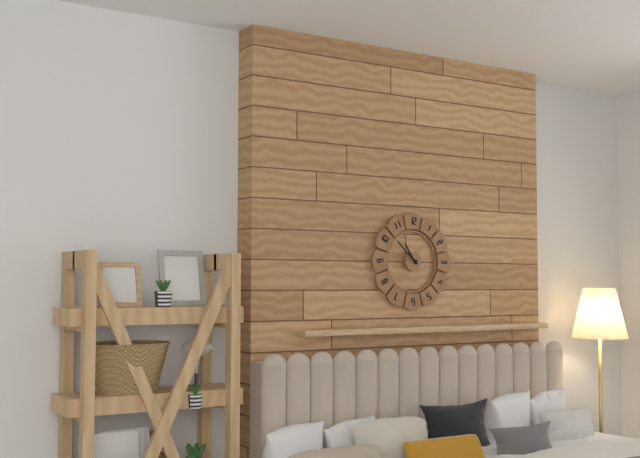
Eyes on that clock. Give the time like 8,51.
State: 10,52
